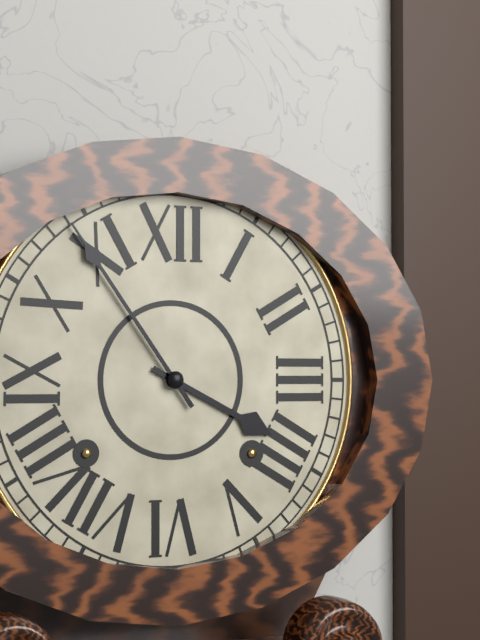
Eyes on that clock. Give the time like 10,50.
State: 3,54
